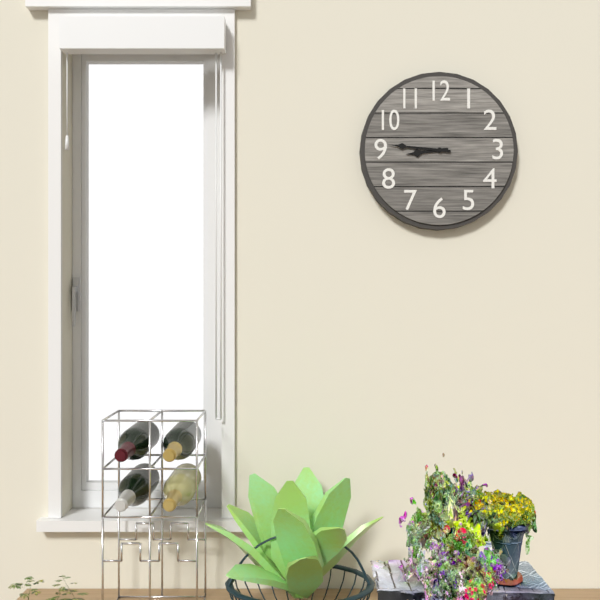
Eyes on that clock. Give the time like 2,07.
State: 8,46
